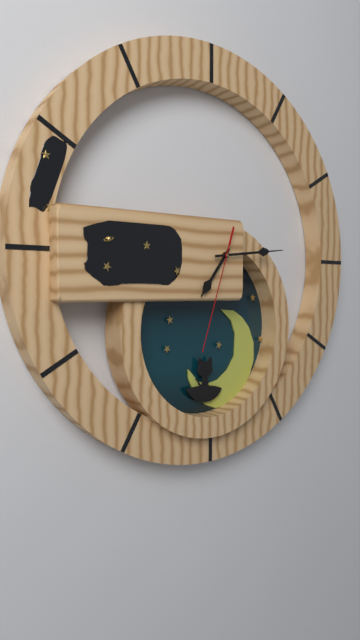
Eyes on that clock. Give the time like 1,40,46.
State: 7,14,33
